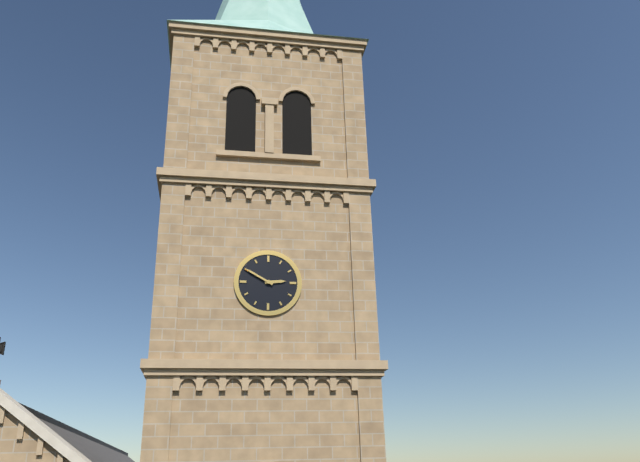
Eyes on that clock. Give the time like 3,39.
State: 2,50
